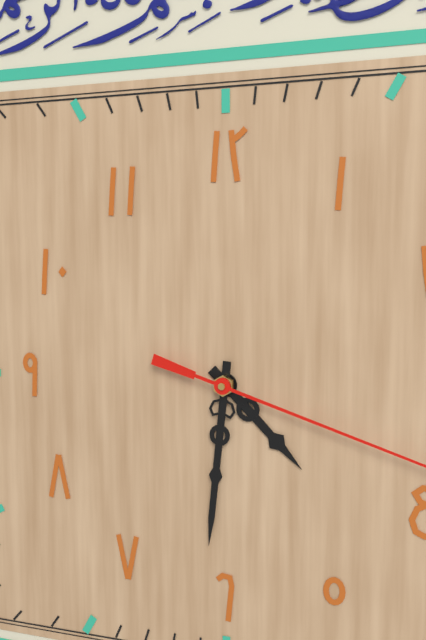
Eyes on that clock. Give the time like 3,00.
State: 4,31
